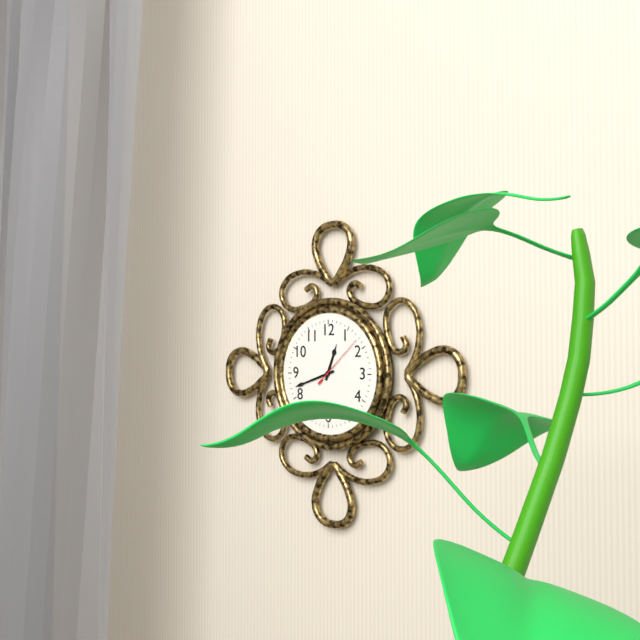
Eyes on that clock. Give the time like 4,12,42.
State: 12,42,08
